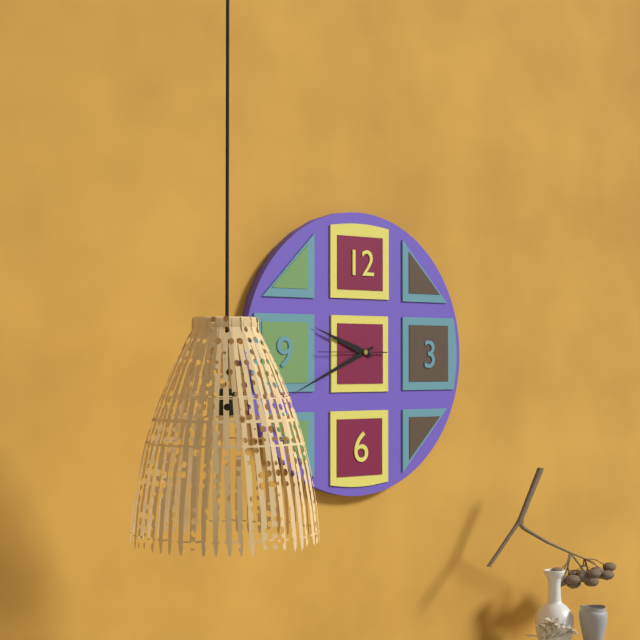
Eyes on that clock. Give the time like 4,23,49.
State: 9,41,45
